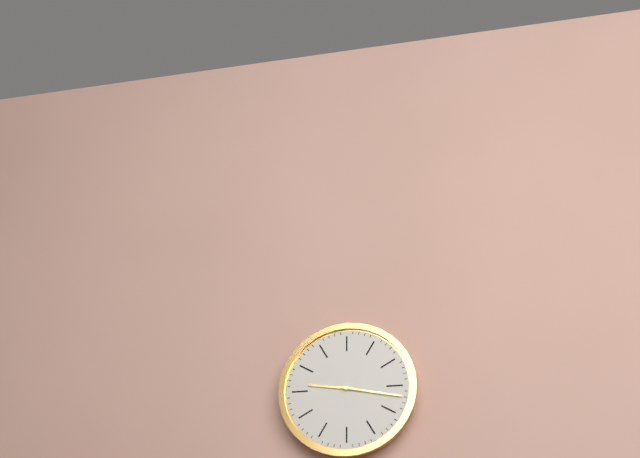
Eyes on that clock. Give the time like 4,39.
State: 9,17
